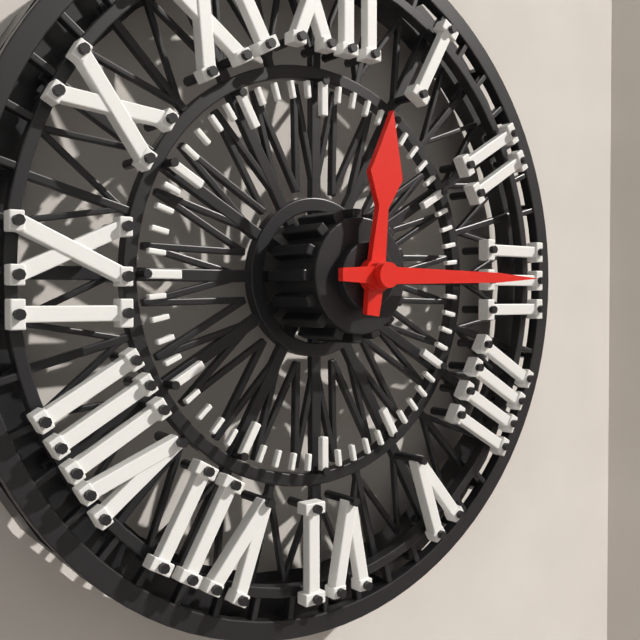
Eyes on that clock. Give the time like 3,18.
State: 12,15
